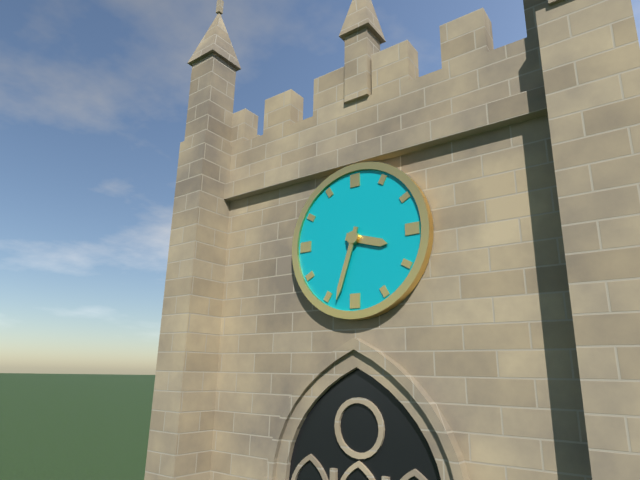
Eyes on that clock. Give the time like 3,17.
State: 3,33
